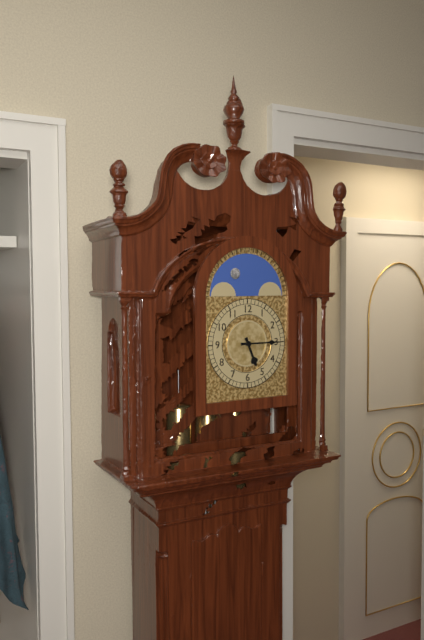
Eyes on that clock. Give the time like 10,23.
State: 5,15
